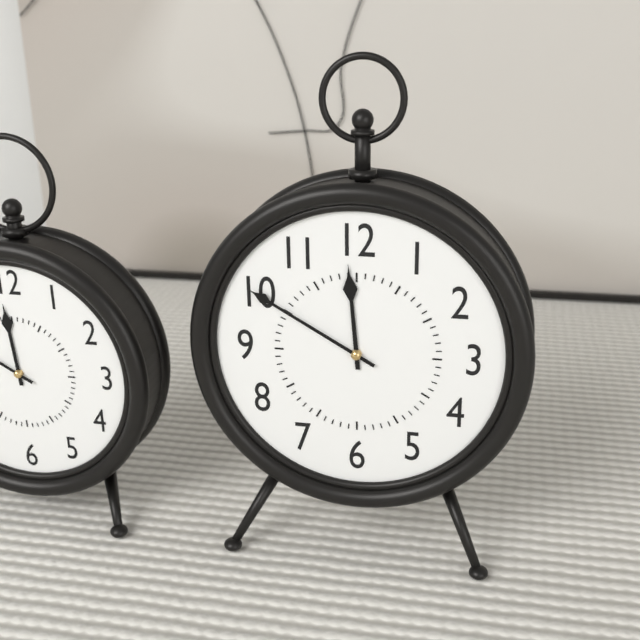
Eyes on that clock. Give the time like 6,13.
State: 11,50
